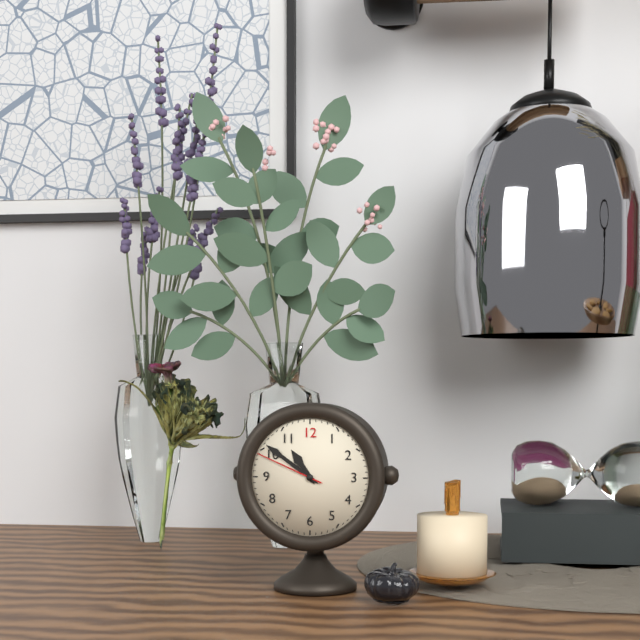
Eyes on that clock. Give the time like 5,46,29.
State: 10,51,49
